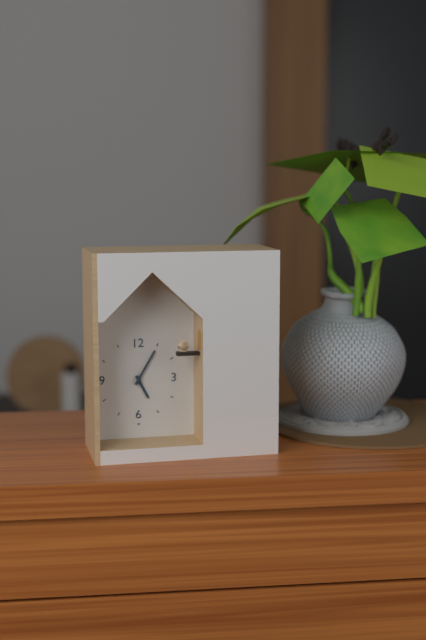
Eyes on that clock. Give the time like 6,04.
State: 5,05
